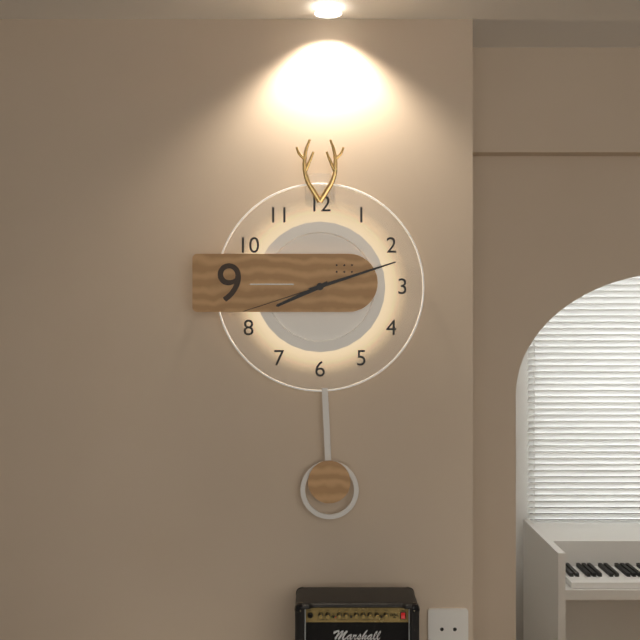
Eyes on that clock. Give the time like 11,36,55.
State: 8,12,42
